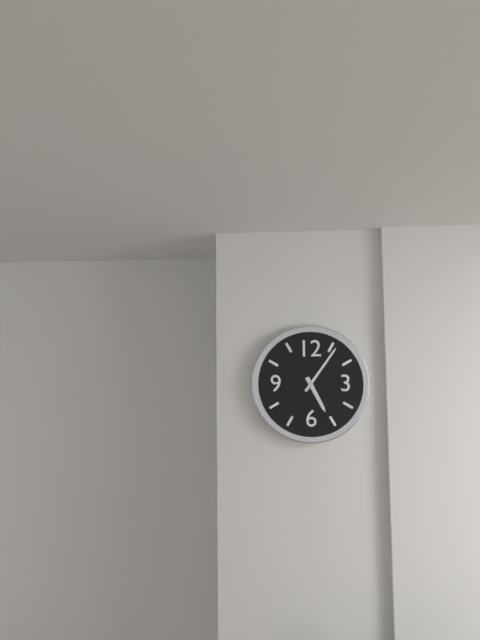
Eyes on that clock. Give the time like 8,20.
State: 5,06
